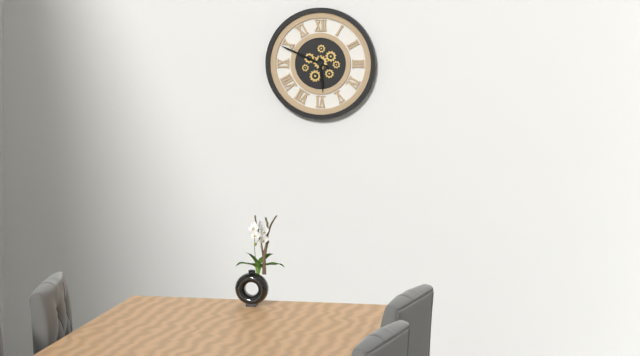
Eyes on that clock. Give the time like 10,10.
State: 5,49
